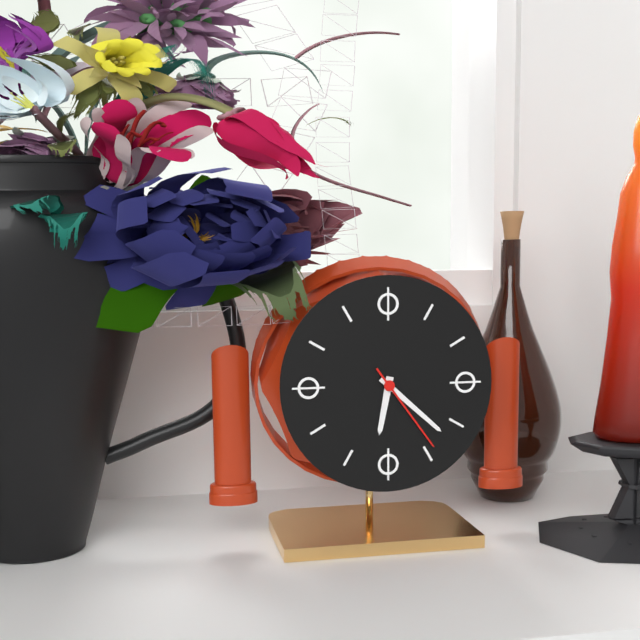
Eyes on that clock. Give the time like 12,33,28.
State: 6,22,24
